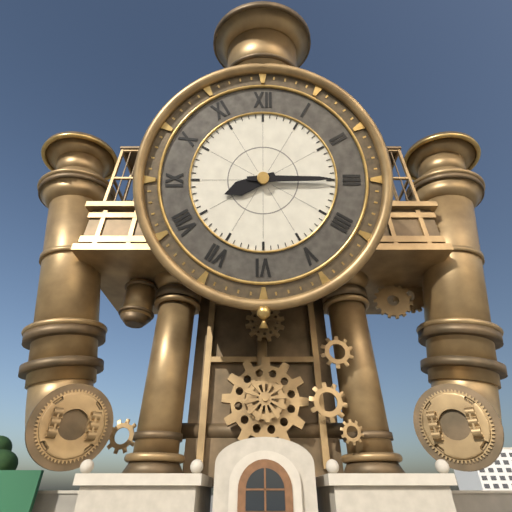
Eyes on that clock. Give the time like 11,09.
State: 8,15
